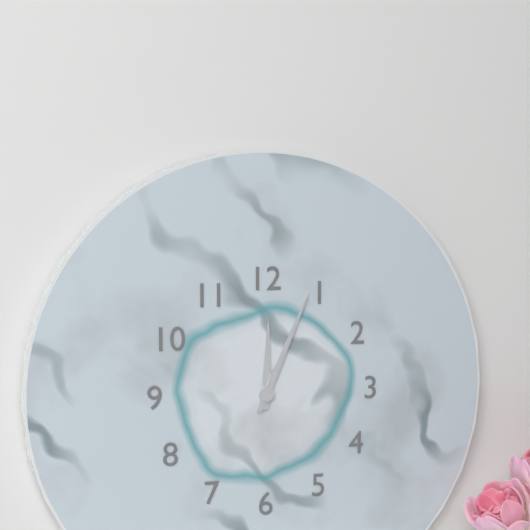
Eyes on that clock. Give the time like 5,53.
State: 12,04
